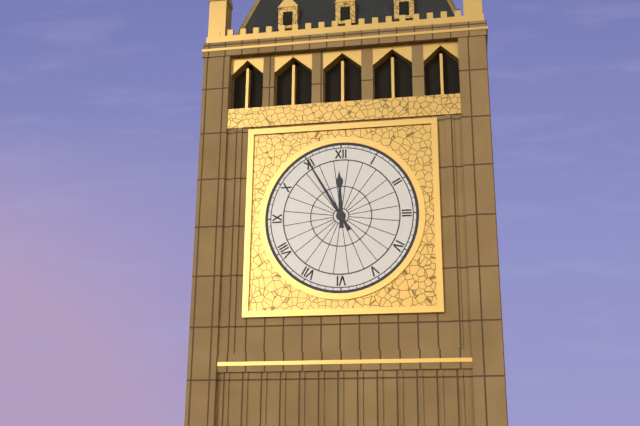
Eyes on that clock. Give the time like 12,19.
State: 11,55
